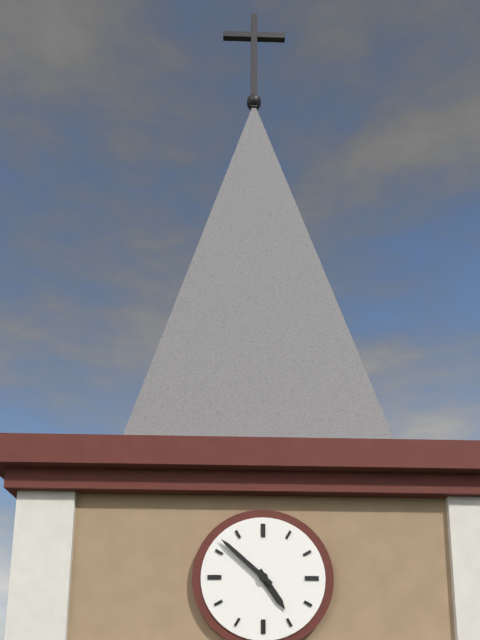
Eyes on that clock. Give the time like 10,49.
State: 4,52
